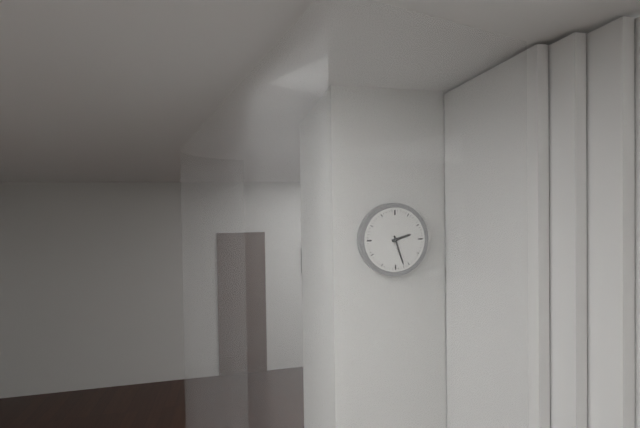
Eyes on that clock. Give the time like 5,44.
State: 2,27
